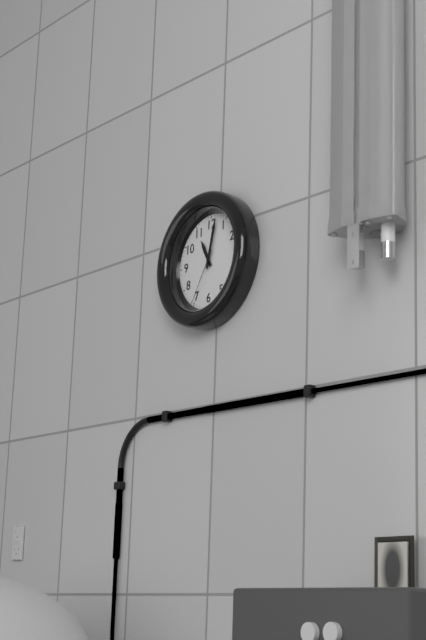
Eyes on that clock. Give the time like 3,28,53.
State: 11,02,35
